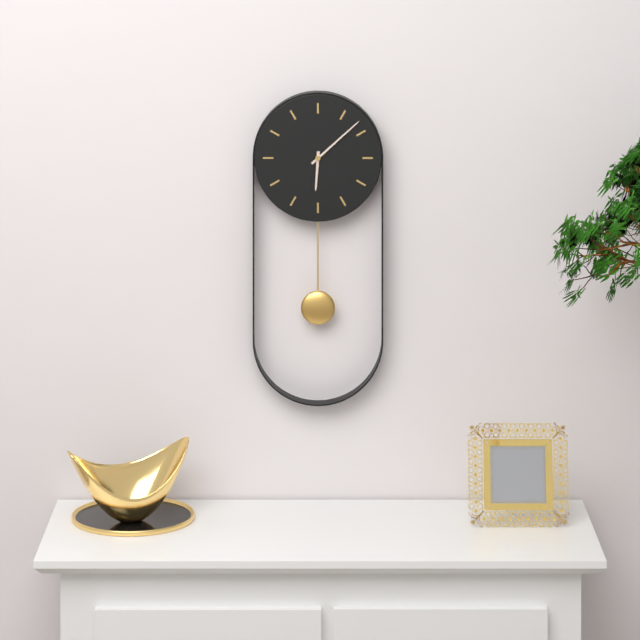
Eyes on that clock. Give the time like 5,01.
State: 6,08
